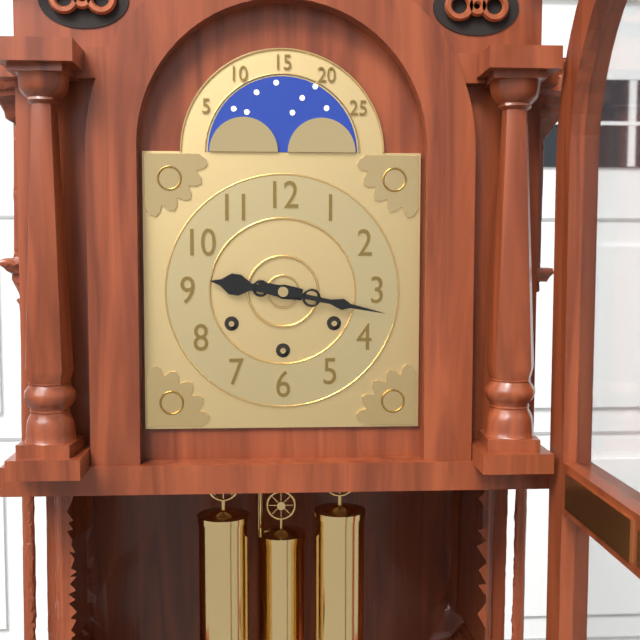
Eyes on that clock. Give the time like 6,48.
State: 9,17
